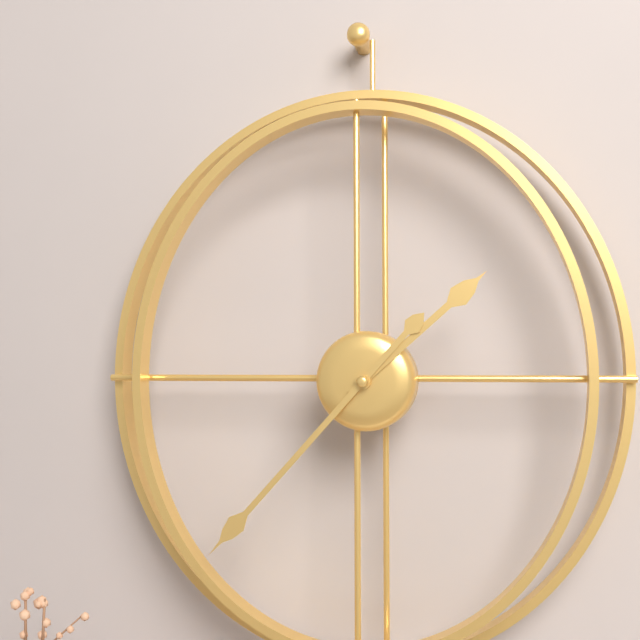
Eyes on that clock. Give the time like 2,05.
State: 1,37
